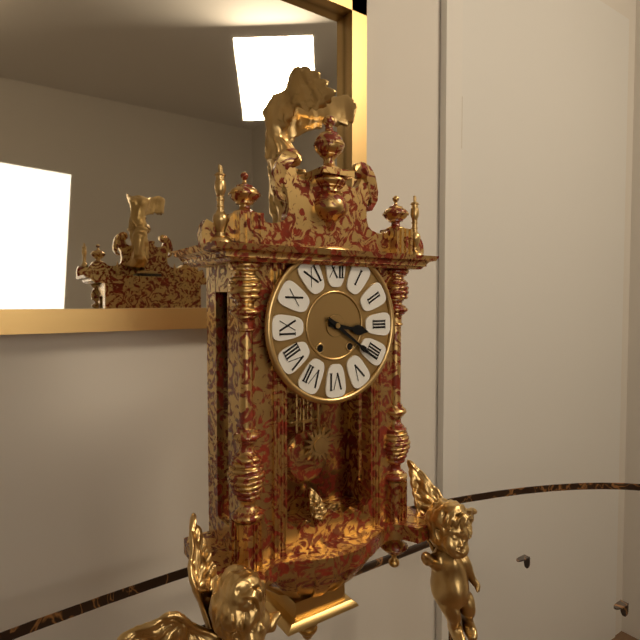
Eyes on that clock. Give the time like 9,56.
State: 3,21
